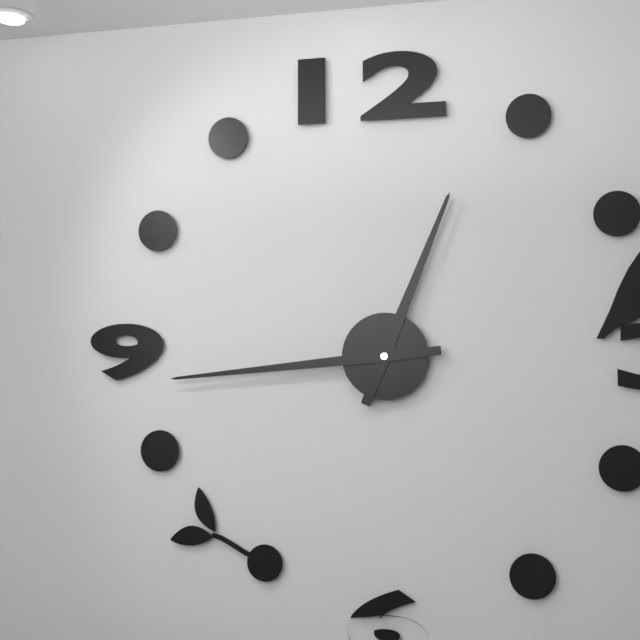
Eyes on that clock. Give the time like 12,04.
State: 12,44
